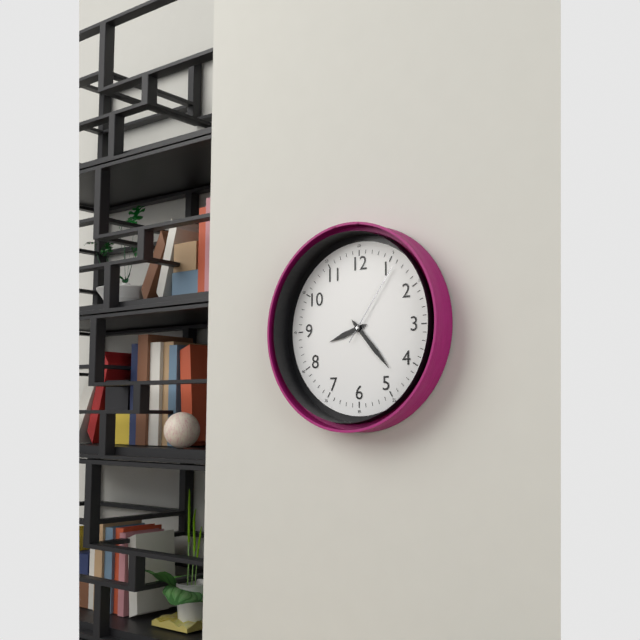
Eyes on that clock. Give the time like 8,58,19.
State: 8,23,06
